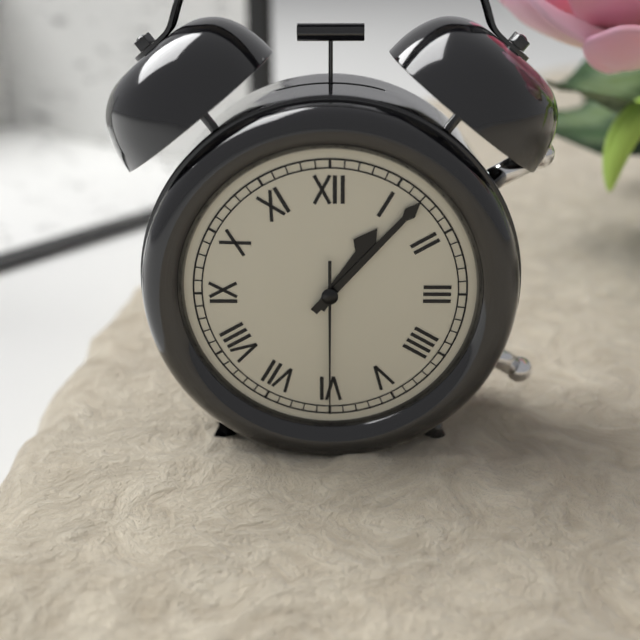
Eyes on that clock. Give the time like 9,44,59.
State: 1,07,30
